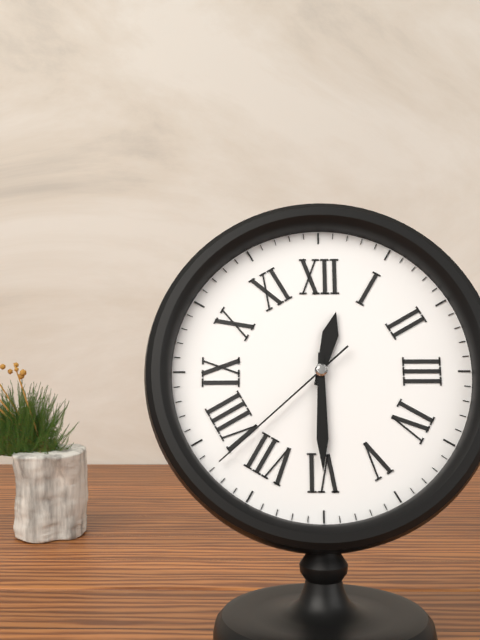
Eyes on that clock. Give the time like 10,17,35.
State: 12,30,38
